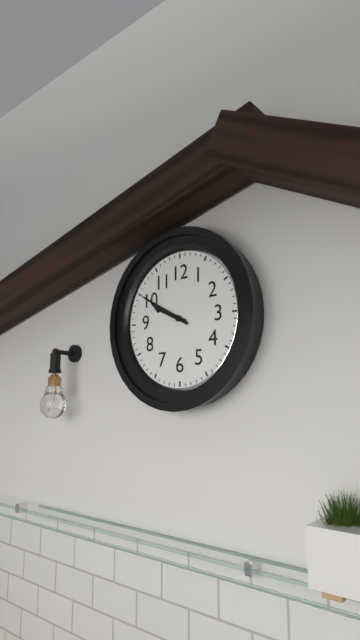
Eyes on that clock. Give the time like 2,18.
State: 9,50
